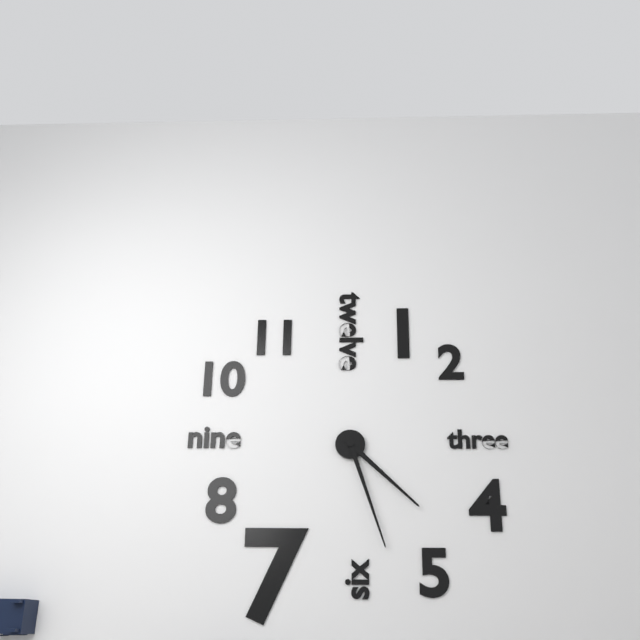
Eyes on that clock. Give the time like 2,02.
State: 4,27
